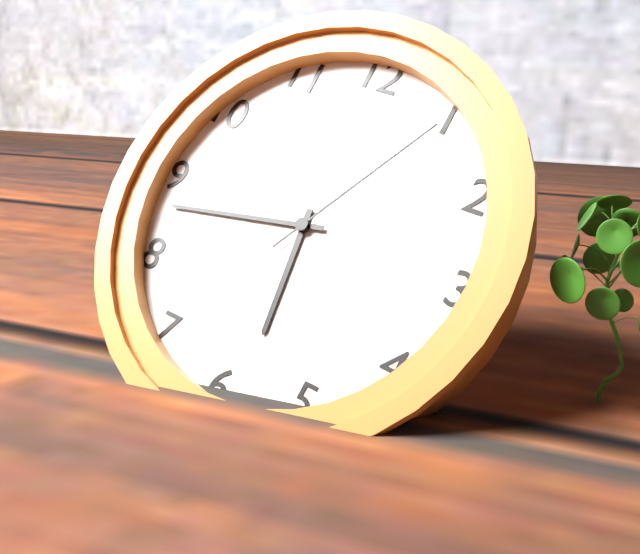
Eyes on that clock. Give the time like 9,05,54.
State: 5,43,05
